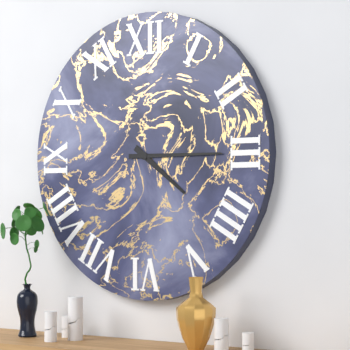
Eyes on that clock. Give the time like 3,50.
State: 4,15
